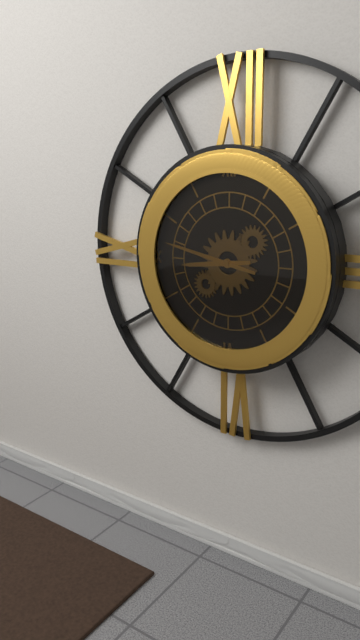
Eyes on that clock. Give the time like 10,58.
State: 8,47
